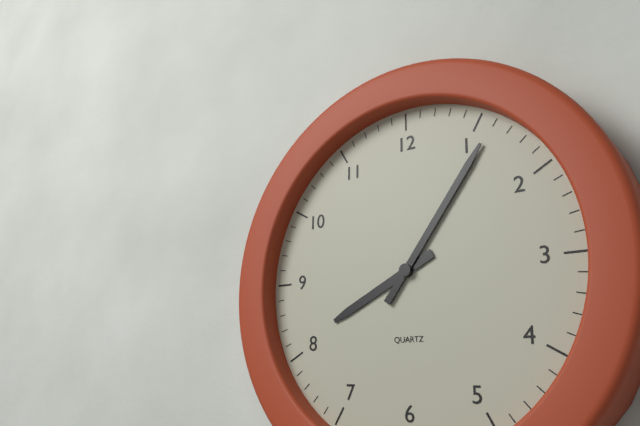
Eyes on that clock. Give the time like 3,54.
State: 8,06
